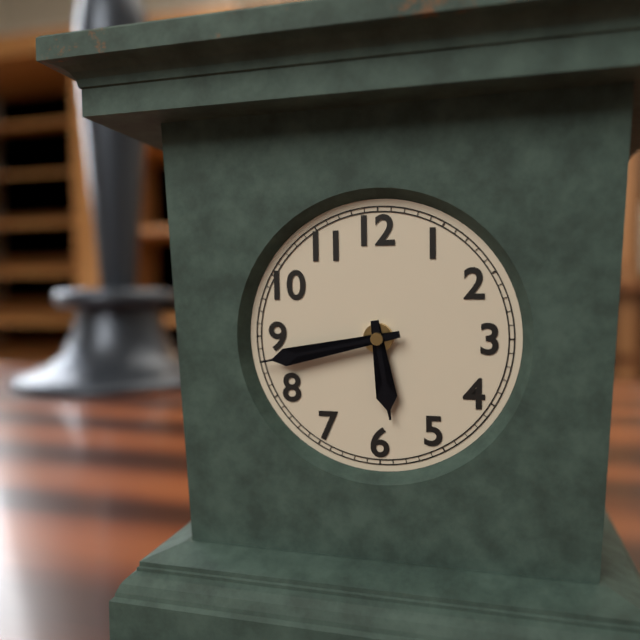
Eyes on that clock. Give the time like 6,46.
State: 5,43
